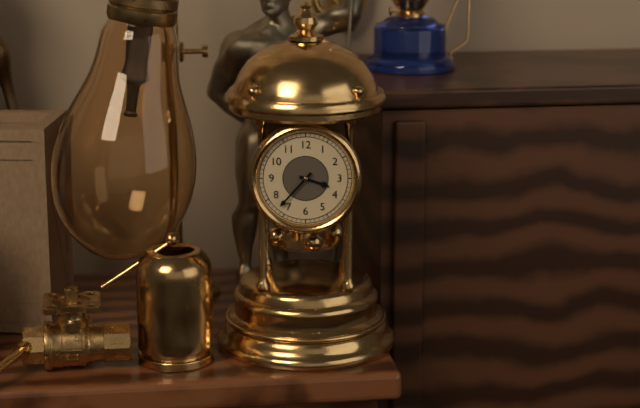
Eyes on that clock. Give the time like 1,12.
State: 3,37
